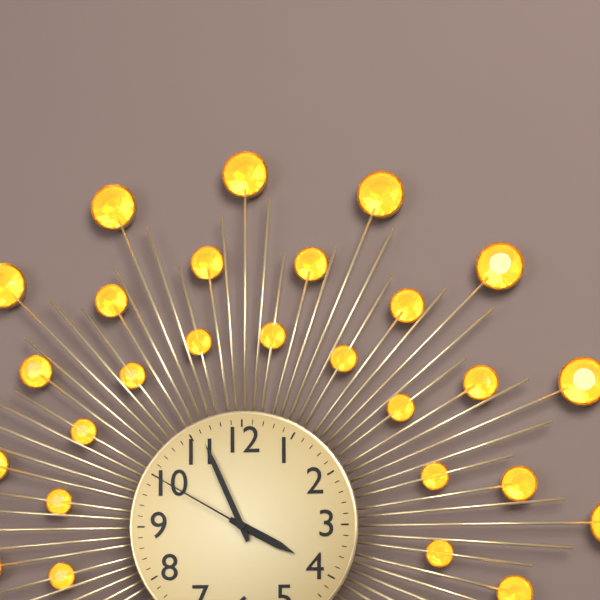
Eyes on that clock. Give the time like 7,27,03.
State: 3,56,50
